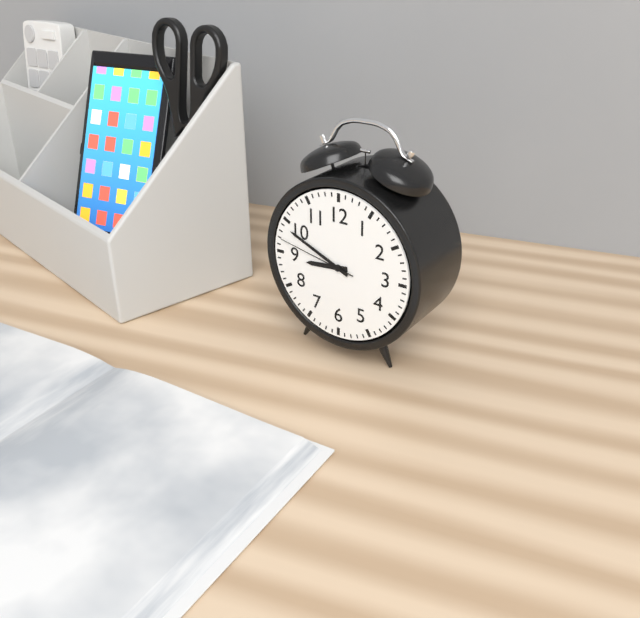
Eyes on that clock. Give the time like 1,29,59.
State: 8,49,47
